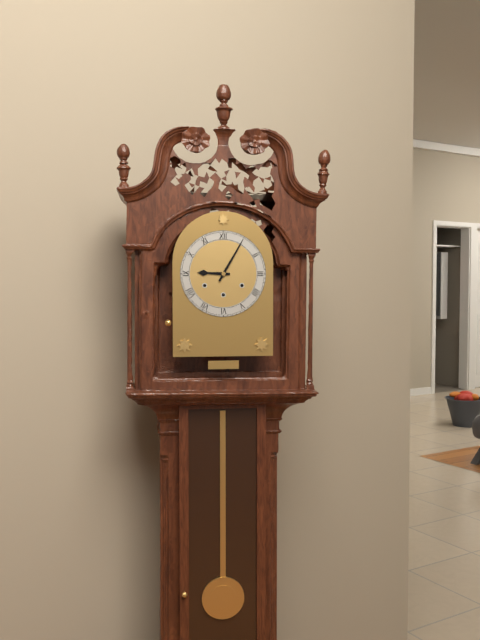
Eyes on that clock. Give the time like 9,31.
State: 9,05
